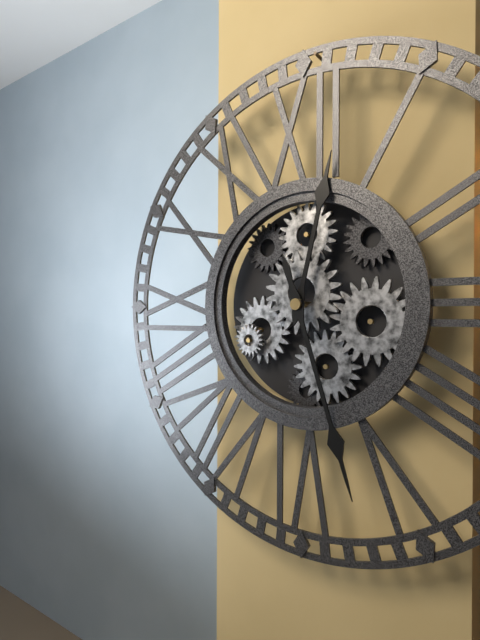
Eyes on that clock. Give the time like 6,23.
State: 12,27
